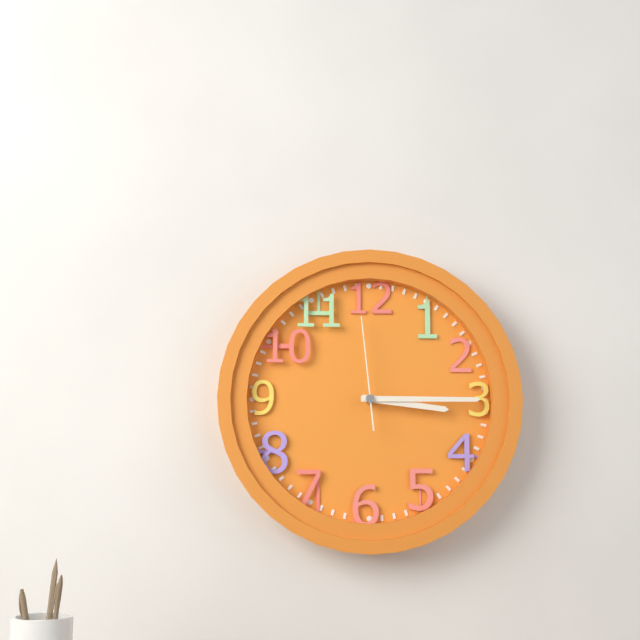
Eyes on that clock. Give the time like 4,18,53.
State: 3,15,59
